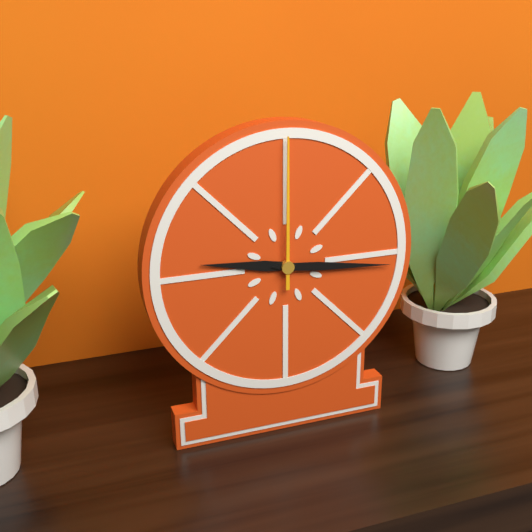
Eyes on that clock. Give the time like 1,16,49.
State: 9,16,00
